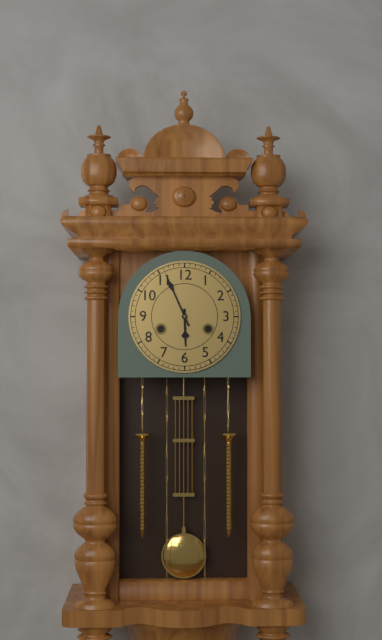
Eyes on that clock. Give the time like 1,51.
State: 5,56
